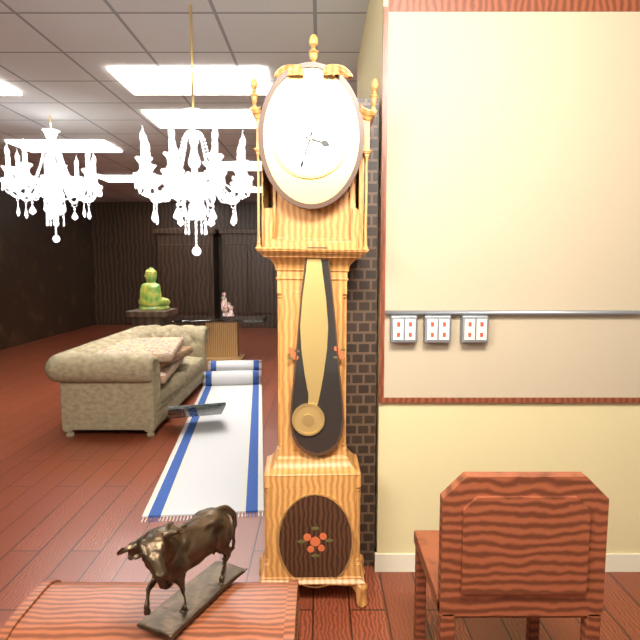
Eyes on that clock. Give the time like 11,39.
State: 3,33
